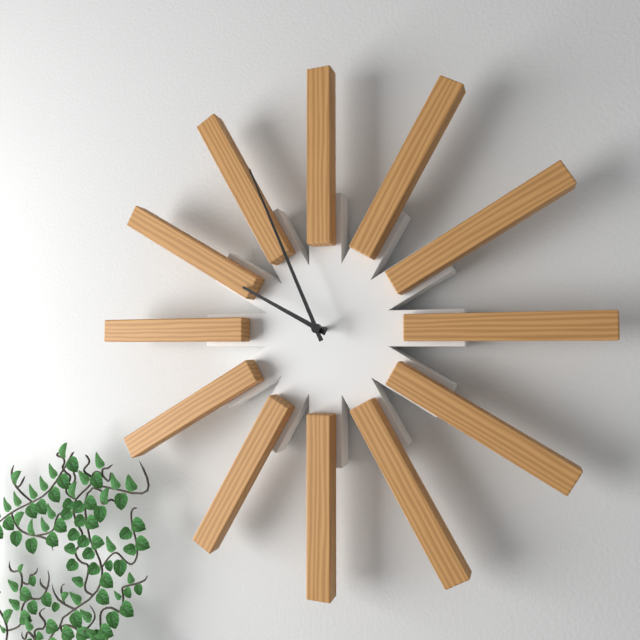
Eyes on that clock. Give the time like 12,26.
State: 9,56
